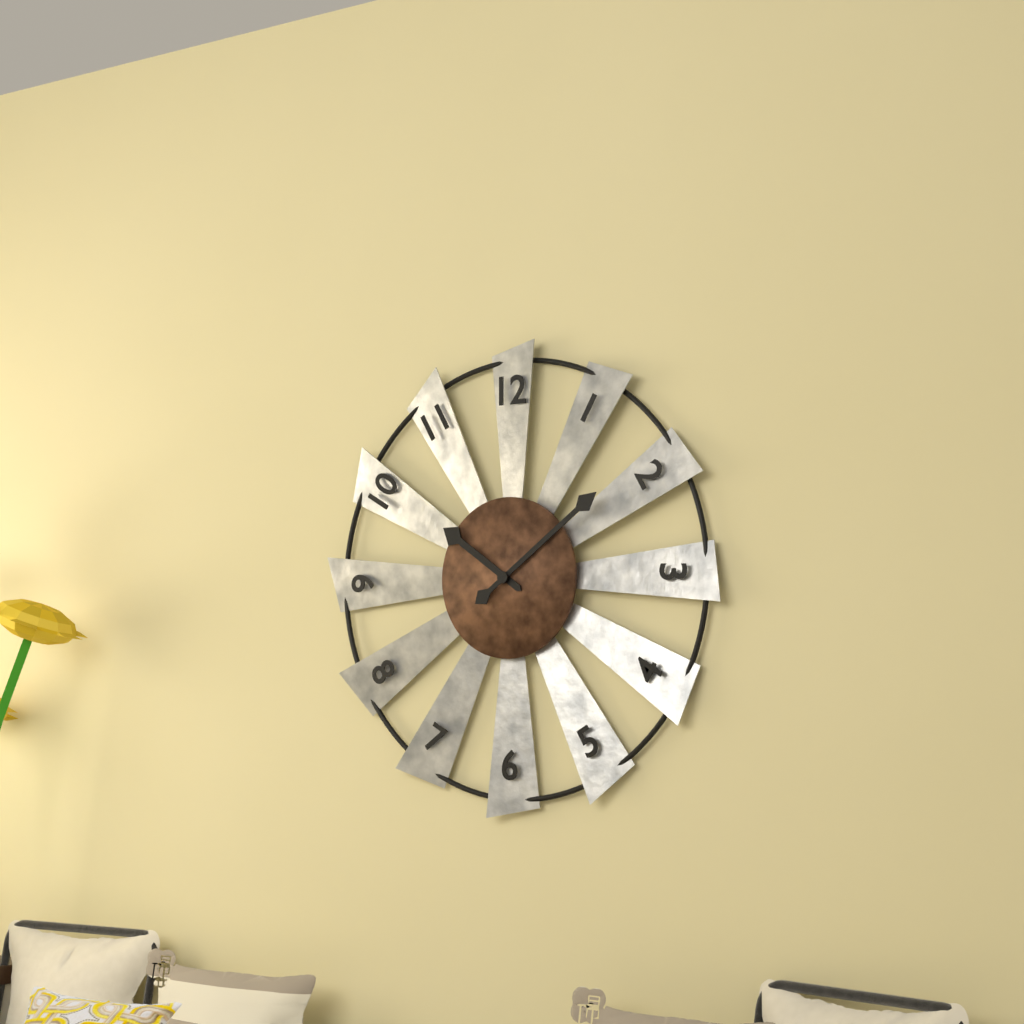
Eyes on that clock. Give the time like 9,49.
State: 10,09
